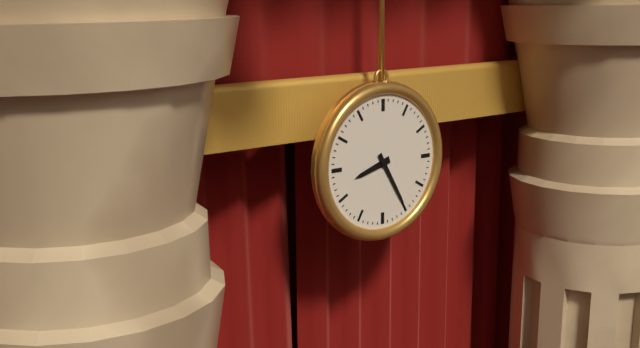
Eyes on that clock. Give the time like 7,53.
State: 8,25
